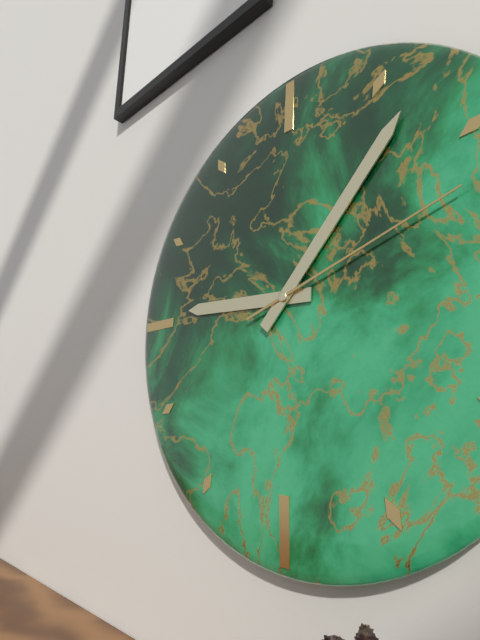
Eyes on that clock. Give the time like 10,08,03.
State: 9,07,12
